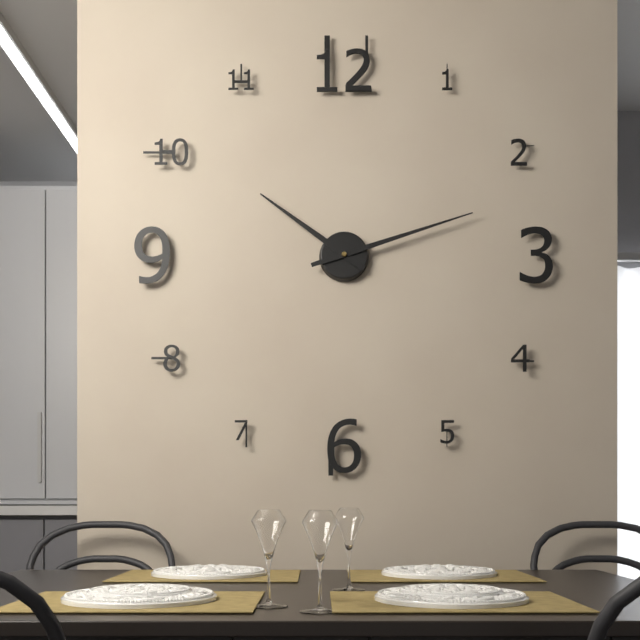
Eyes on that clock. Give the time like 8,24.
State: 10,12
